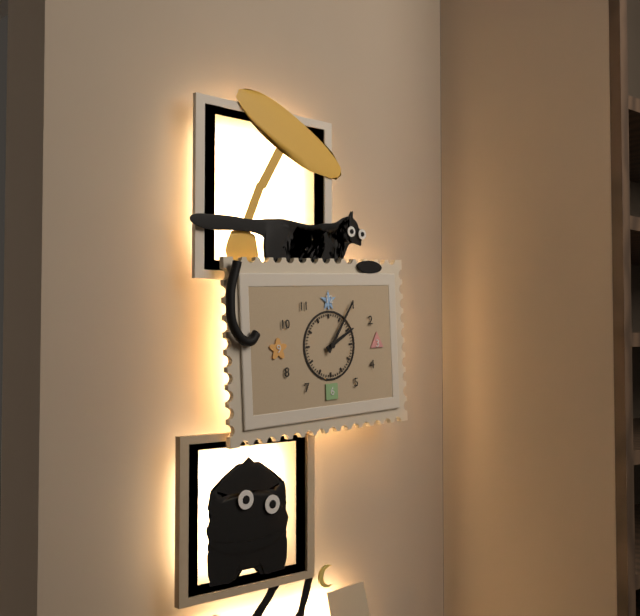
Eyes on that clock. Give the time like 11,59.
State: 2,06
